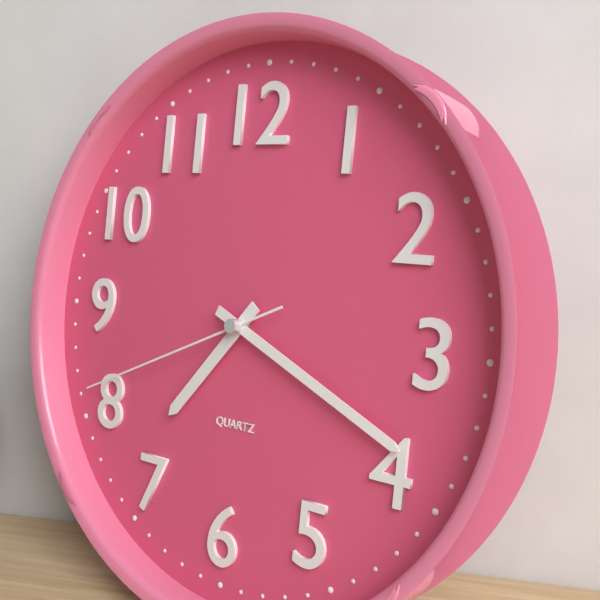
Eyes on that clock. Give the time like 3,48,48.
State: 7,19,41
